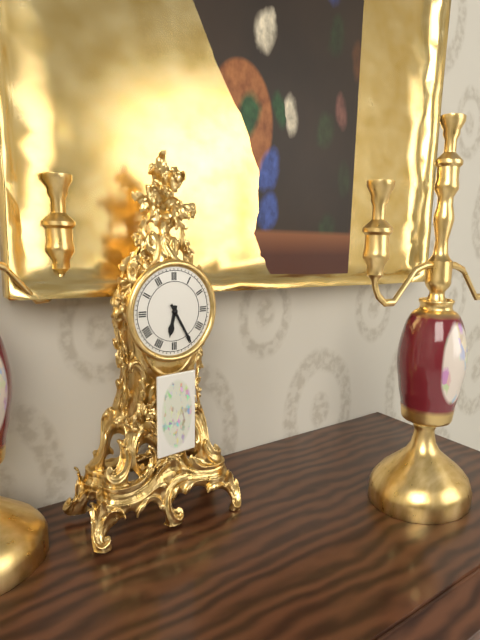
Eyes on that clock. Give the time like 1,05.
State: 6,25
